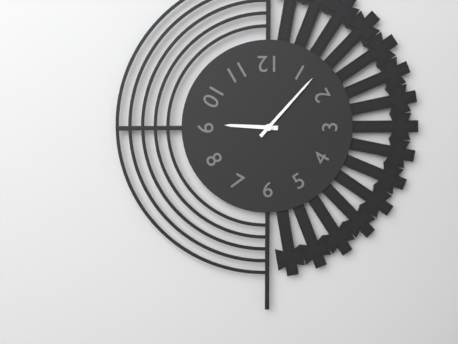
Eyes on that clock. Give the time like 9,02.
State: 9,07
